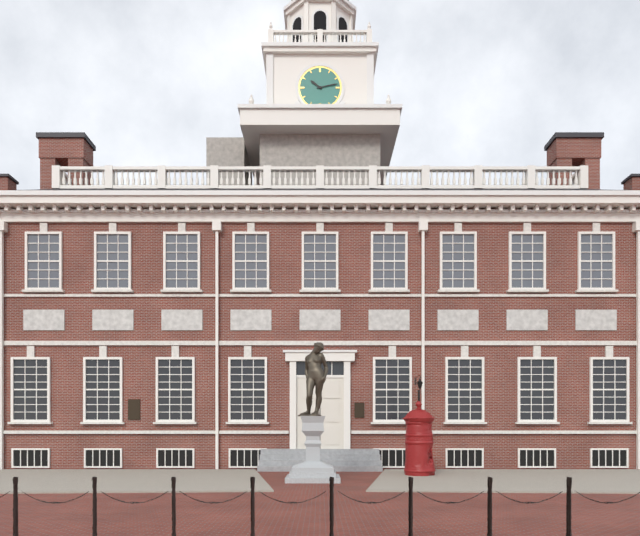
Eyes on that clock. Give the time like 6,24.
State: 10,13
